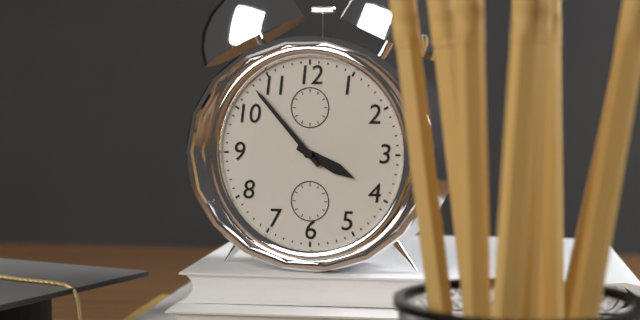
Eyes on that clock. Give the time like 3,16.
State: 3,53
